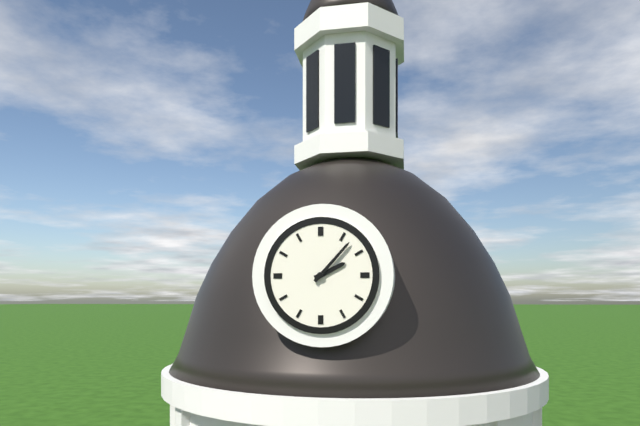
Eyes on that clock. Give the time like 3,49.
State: 2,07
